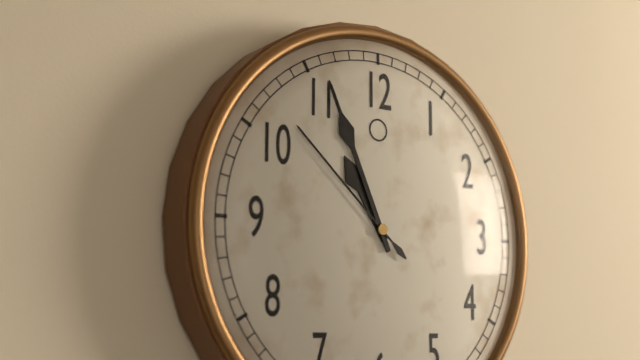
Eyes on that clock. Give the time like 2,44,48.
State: 10,56,52
